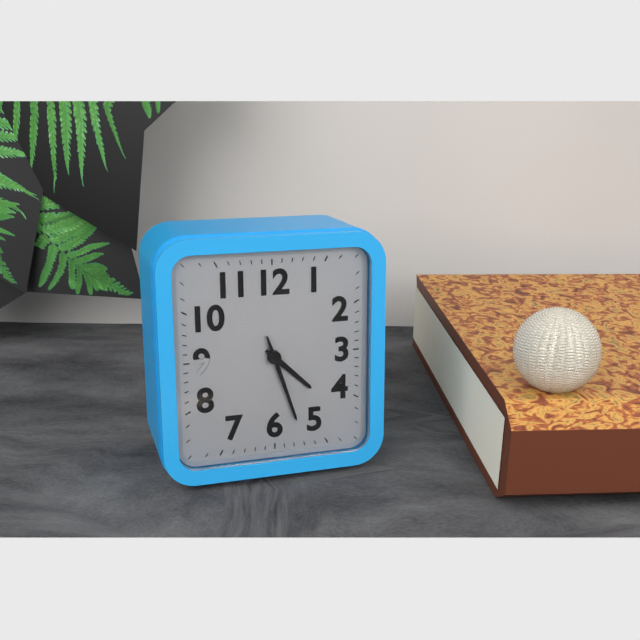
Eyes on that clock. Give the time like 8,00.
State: 4,27
